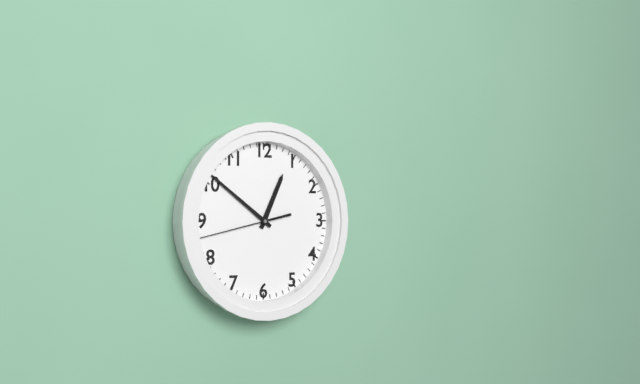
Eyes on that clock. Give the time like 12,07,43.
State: 12,51,43
